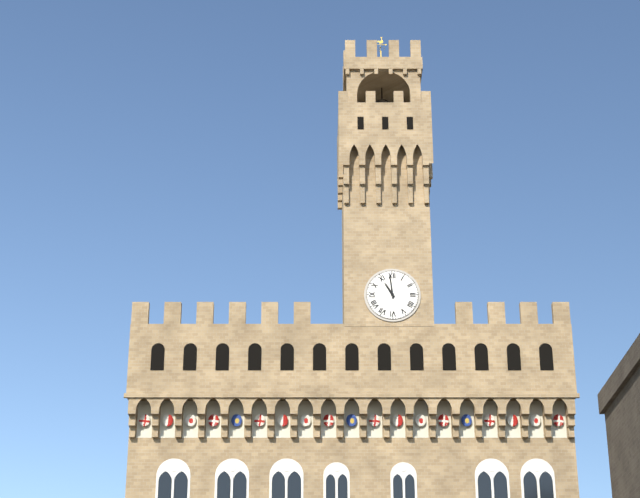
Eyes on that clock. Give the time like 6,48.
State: 10,59
